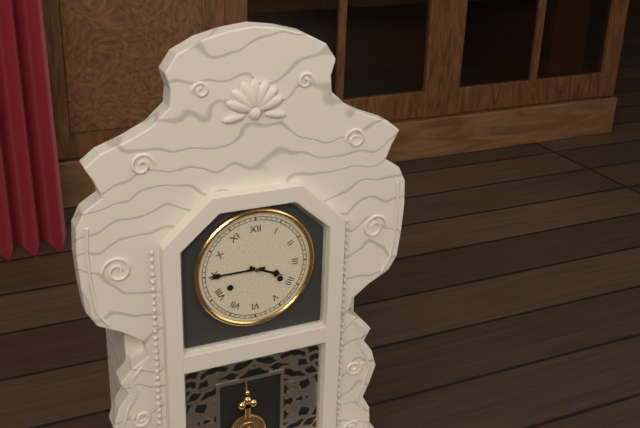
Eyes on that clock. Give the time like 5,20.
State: 3,45
